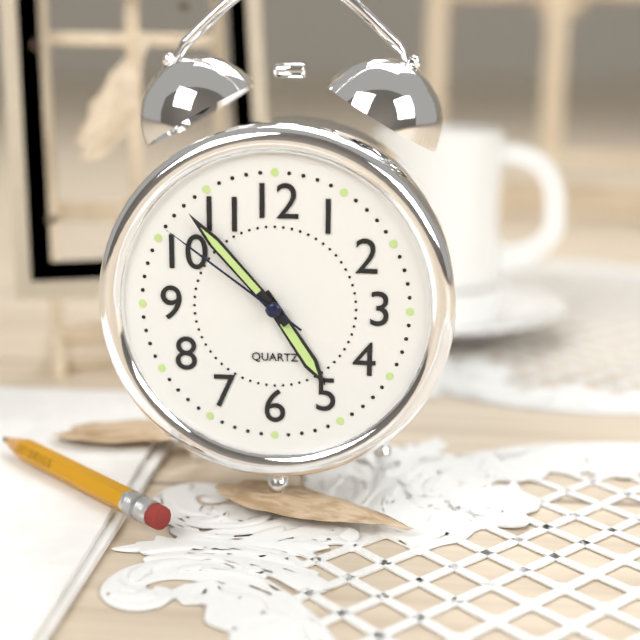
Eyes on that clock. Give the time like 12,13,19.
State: 4,53,51
